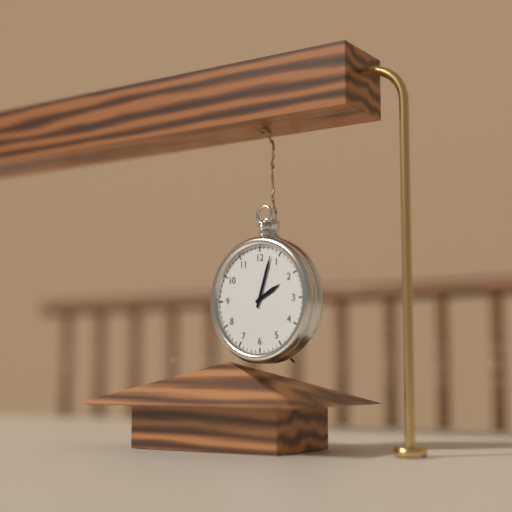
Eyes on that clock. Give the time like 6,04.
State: 2,03
